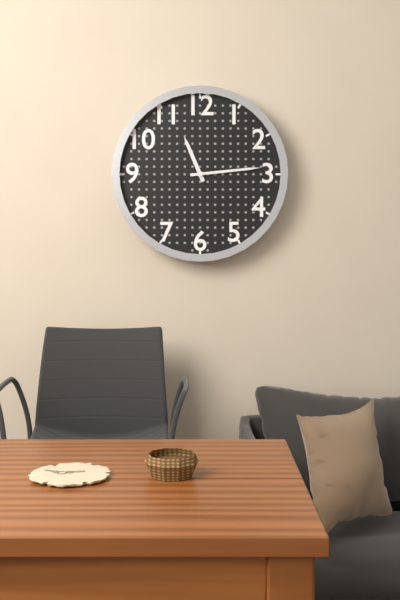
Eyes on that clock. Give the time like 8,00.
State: 11,14
